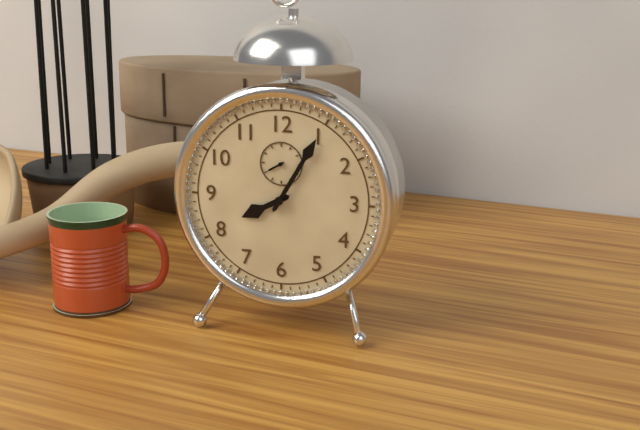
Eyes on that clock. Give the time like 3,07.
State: 8,05
